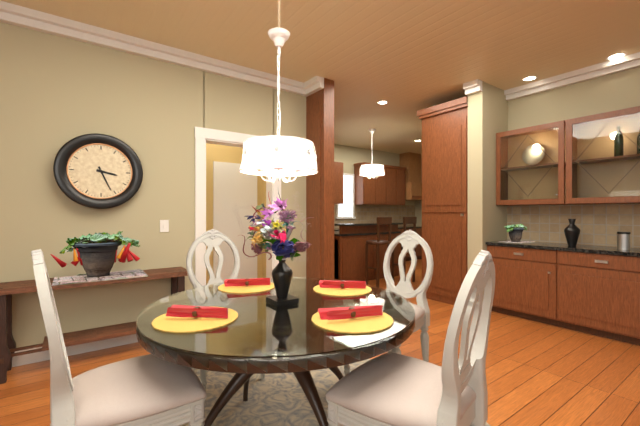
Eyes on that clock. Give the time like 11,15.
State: 3,26
